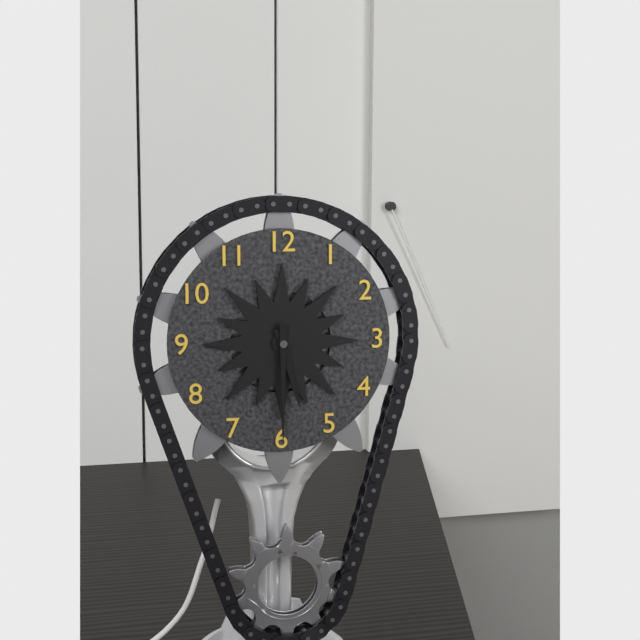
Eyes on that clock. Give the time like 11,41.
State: 5,30
